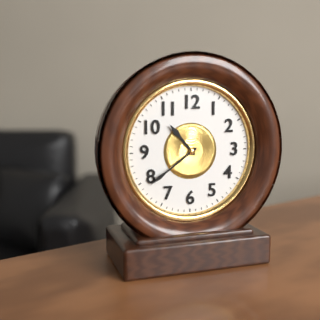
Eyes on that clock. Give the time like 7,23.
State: 10,39
